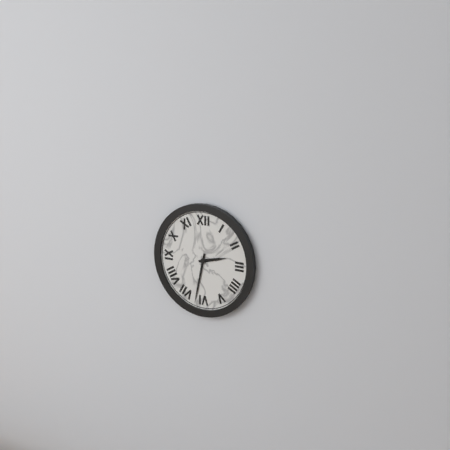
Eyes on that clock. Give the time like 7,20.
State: 2,32
